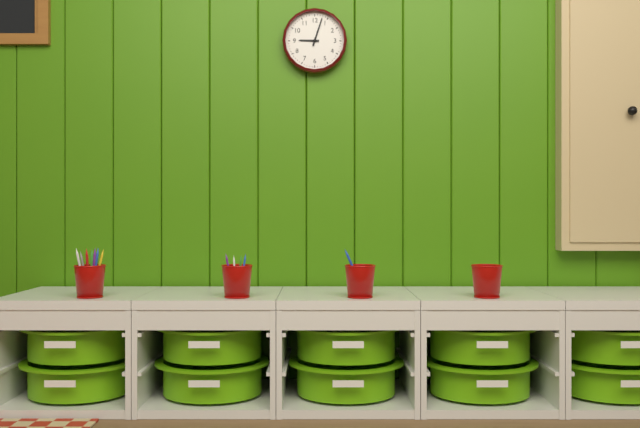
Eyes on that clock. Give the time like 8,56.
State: 9,03
